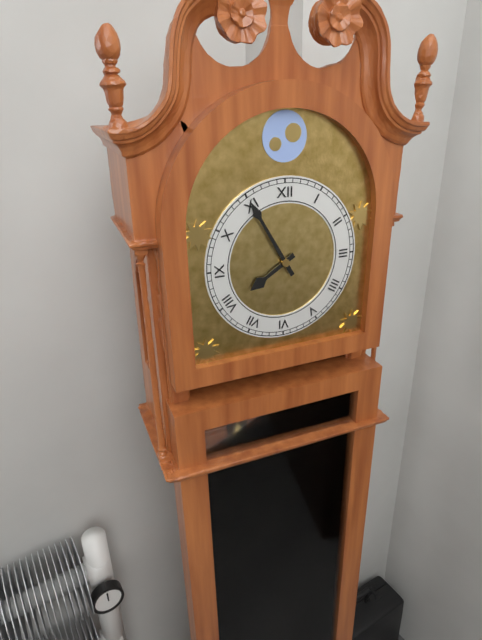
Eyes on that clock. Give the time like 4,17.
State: 7,55
